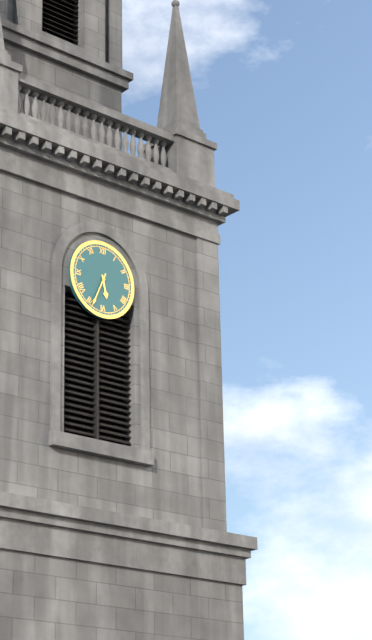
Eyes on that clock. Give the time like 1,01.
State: 5,34
